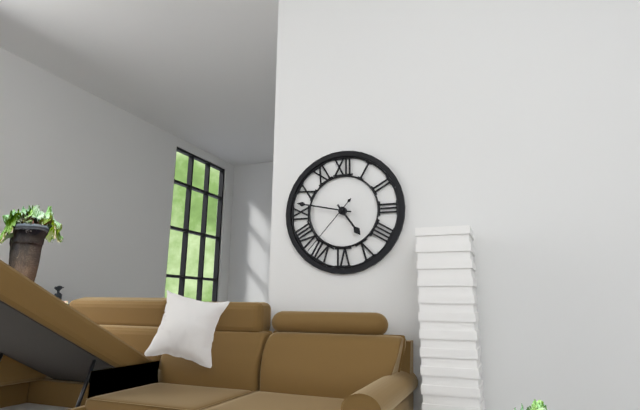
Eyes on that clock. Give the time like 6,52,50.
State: 4,47,37
